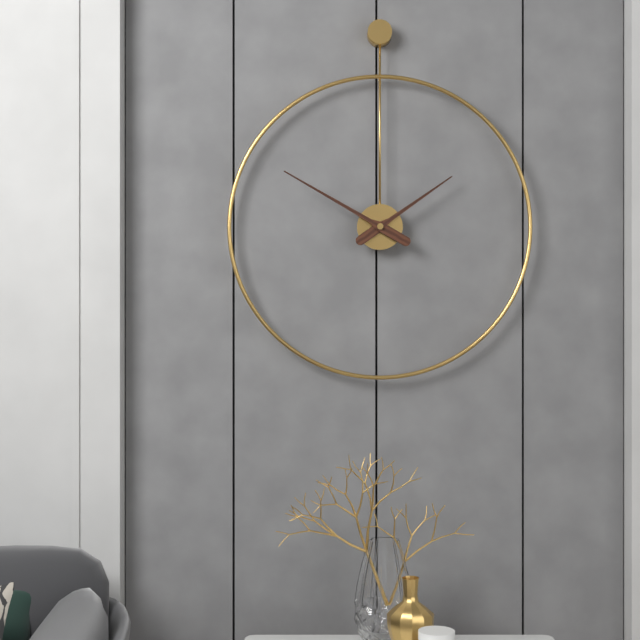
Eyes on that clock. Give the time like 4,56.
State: 1,50
